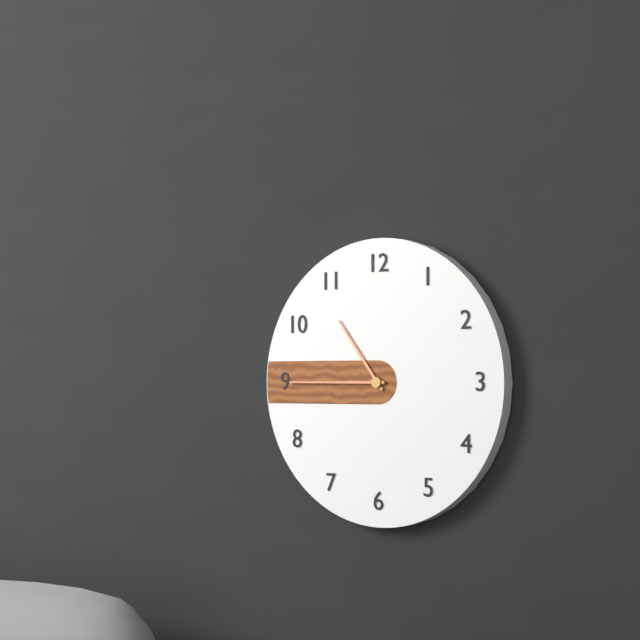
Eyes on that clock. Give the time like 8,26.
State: 10,45
